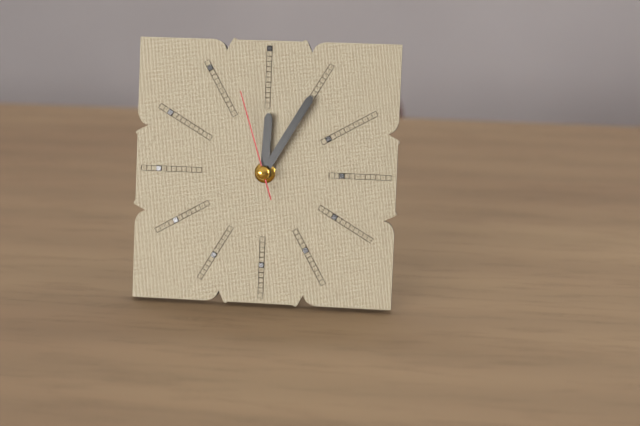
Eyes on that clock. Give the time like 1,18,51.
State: 12,05,57
